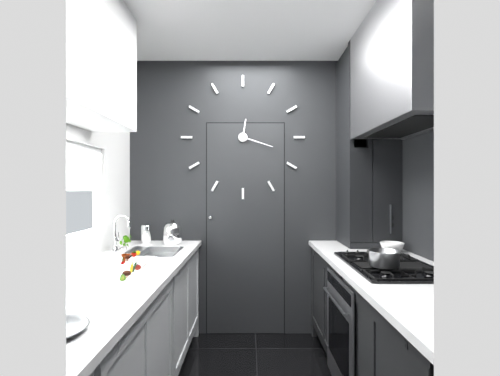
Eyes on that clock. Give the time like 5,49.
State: 12,18
